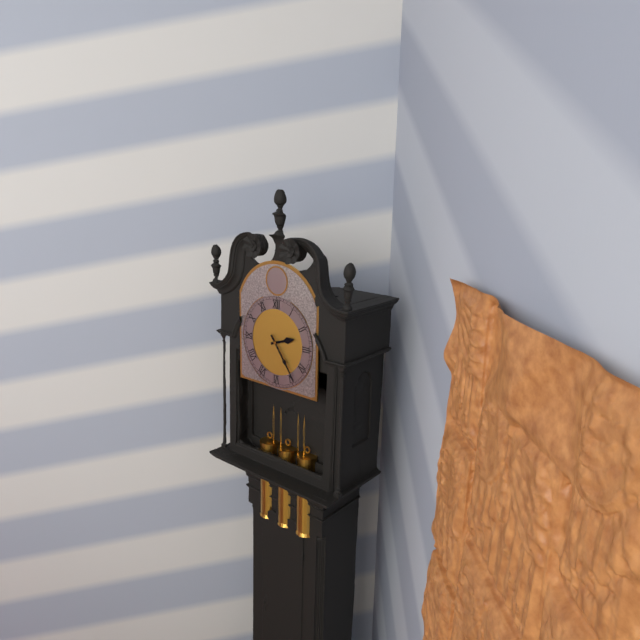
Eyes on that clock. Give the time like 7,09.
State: 2,24
